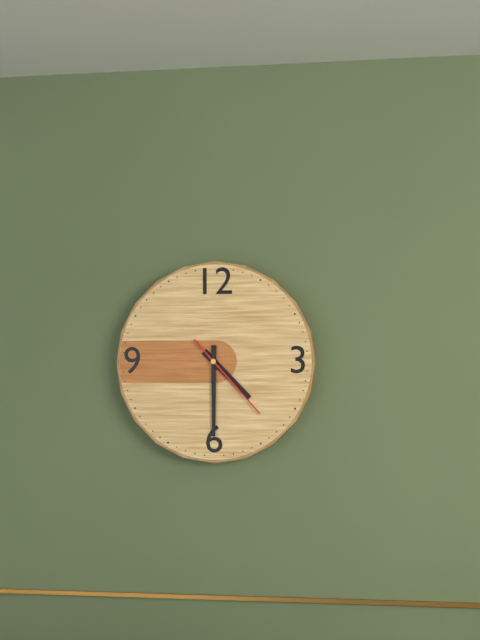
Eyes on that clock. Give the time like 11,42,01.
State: 4,30,23
